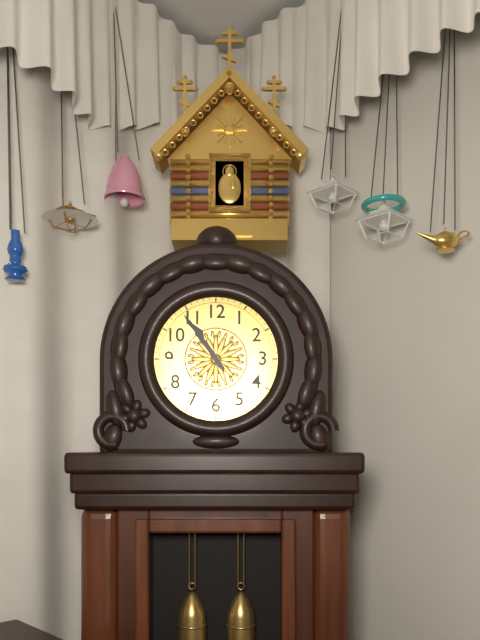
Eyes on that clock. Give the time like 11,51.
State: 10,54
